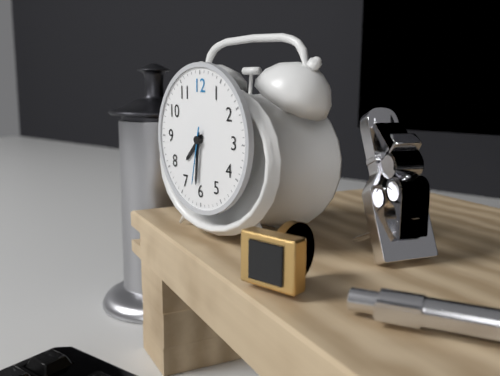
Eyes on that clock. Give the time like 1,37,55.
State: 7,31,32
